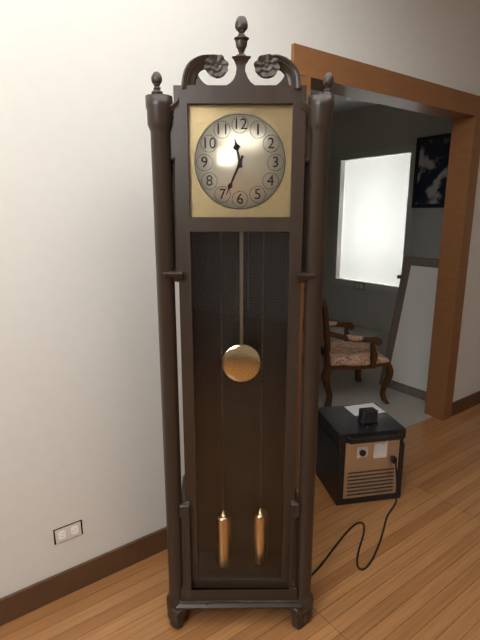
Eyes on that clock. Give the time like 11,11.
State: 11,34
